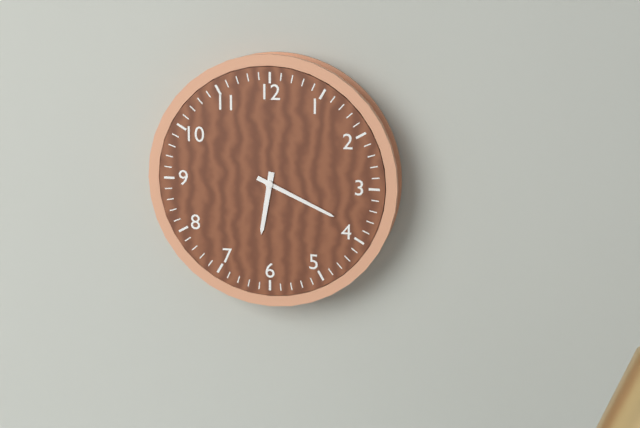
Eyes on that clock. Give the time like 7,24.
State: 6,19
